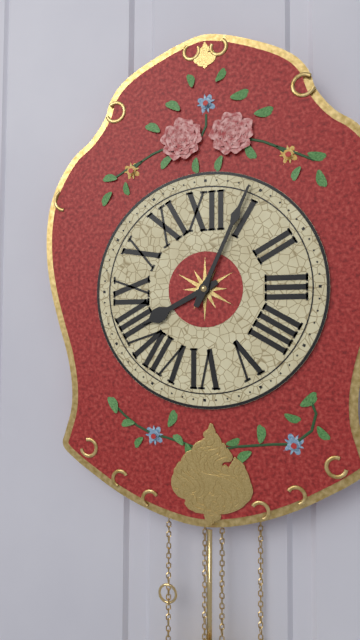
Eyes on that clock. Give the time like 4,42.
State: 8,04
